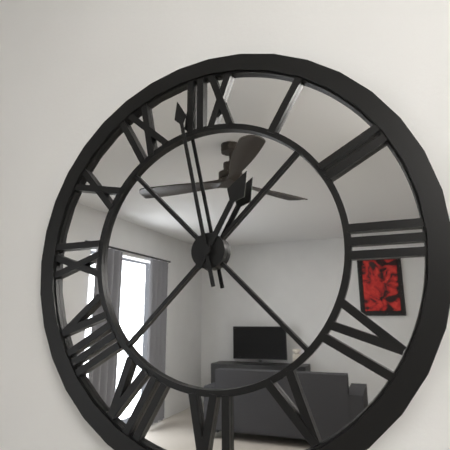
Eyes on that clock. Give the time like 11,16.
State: 12,58
